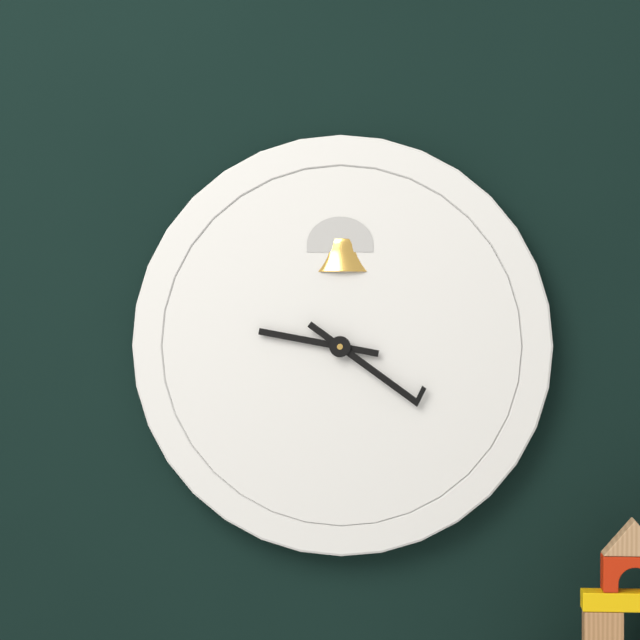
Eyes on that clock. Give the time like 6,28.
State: 9,21
